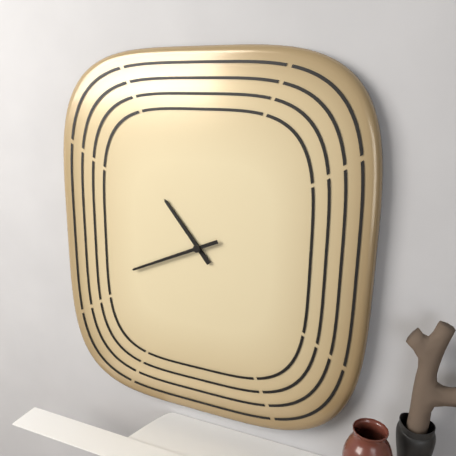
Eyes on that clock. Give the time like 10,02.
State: 10,41
